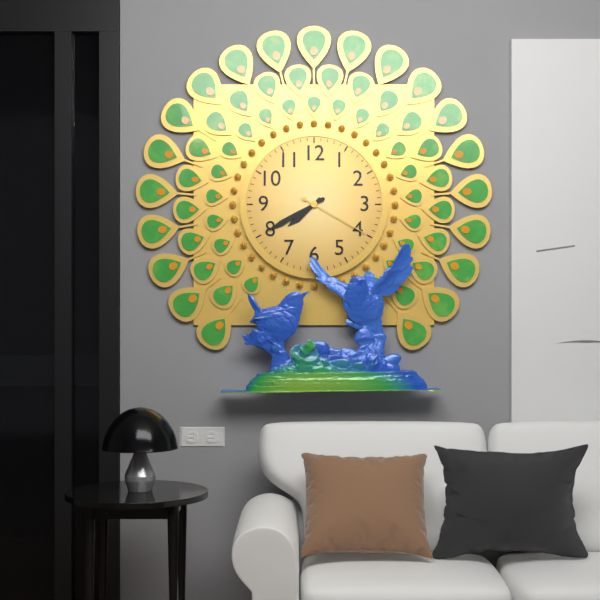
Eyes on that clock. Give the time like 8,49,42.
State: 7,40,20
